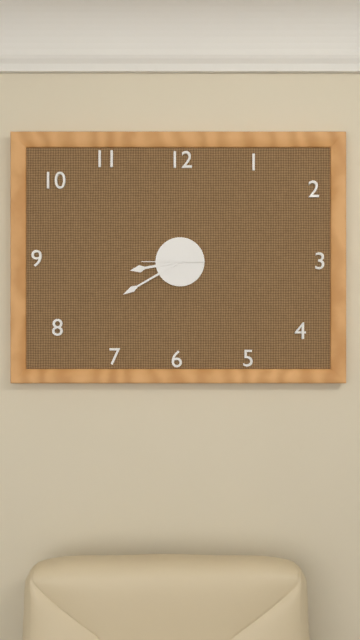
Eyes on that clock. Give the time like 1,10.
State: 8,40
